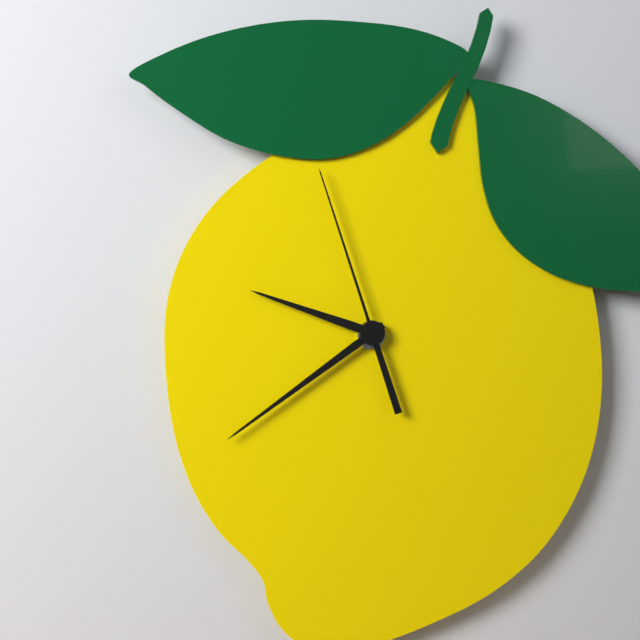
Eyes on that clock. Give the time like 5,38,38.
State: 9,39,57
